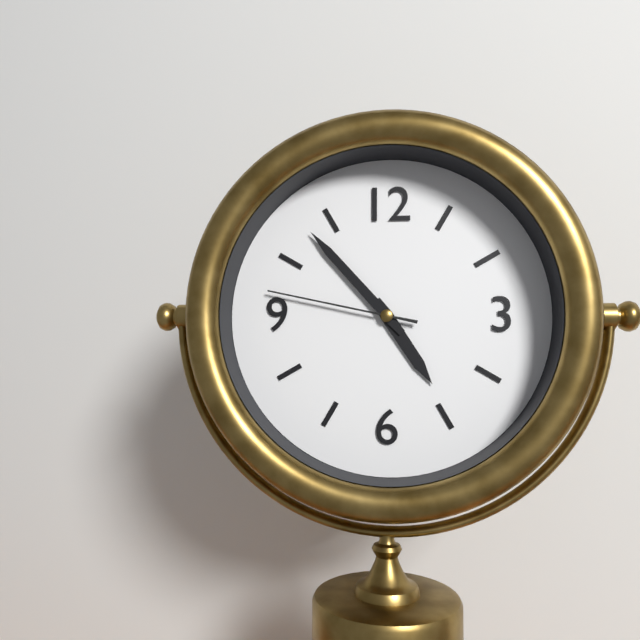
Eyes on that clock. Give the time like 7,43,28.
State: 4,53,47
